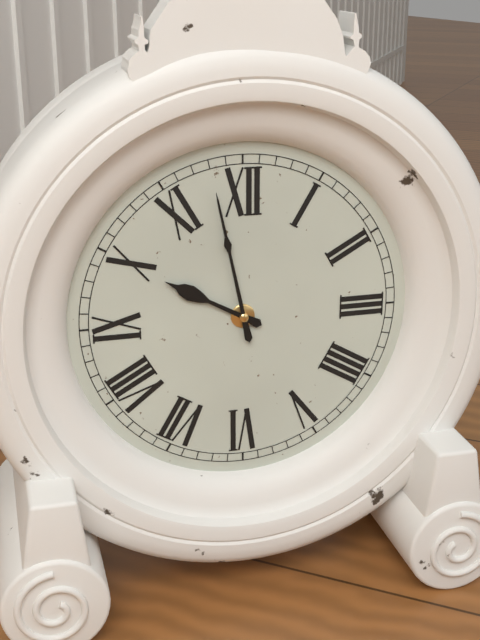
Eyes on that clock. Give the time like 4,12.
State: 9,58
